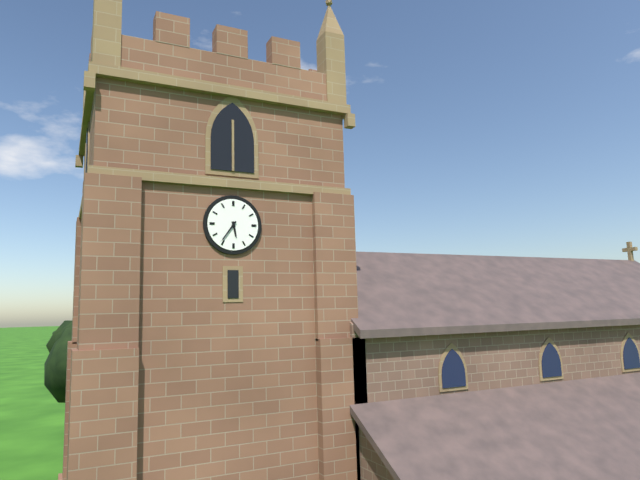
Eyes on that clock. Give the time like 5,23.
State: 5,36
